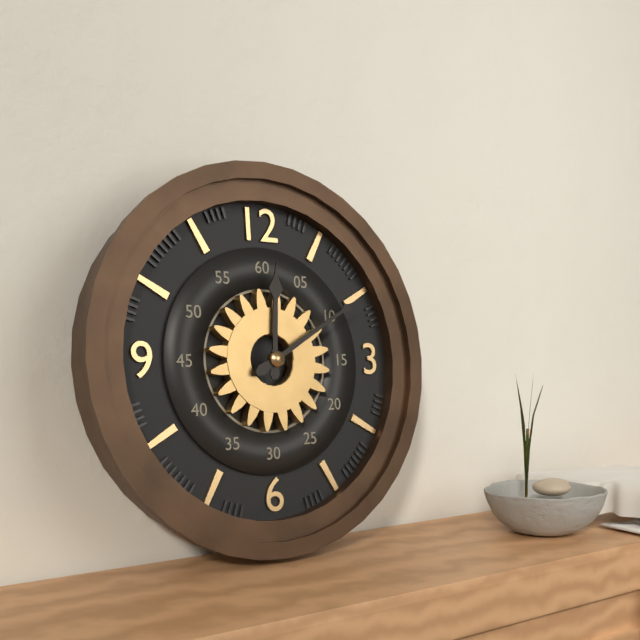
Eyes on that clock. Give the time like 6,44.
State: 12,10
